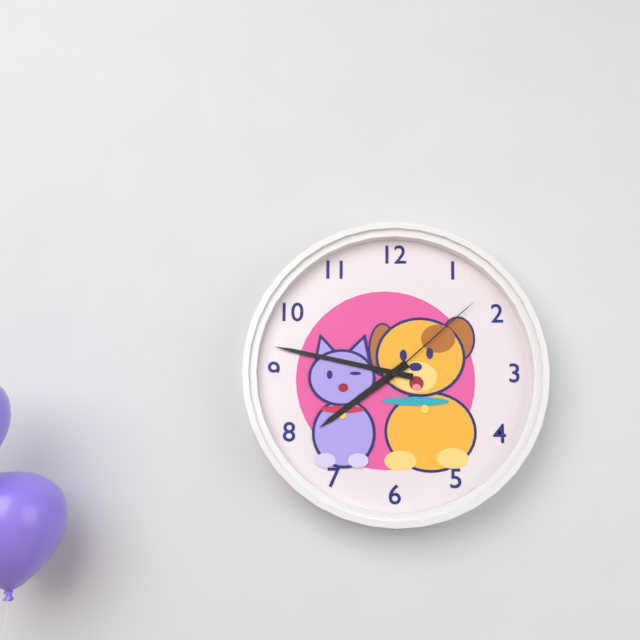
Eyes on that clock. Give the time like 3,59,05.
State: 7,47,08
